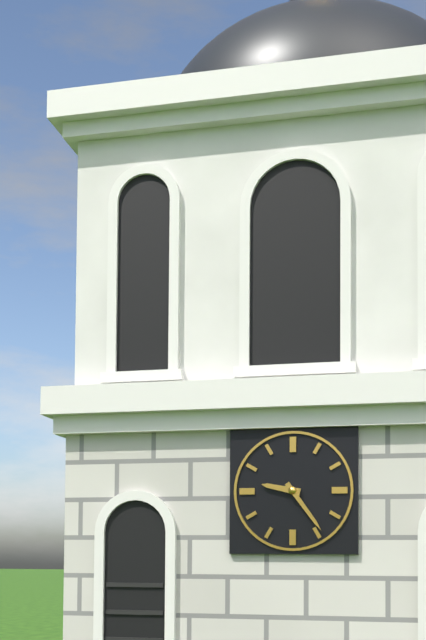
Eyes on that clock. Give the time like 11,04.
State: 9,24
